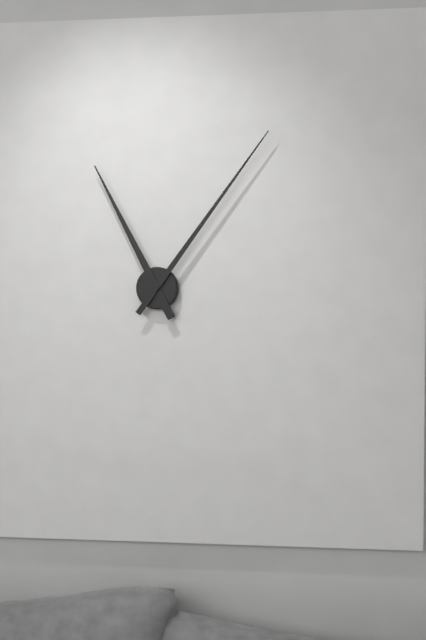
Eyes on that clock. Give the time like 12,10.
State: 11,06
